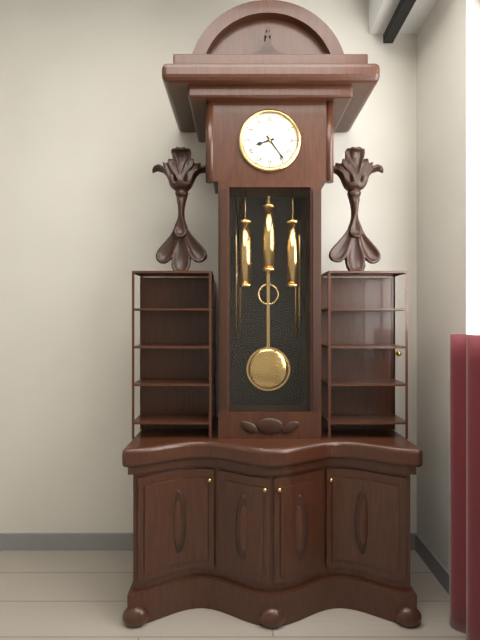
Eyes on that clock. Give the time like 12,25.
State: 8,24
